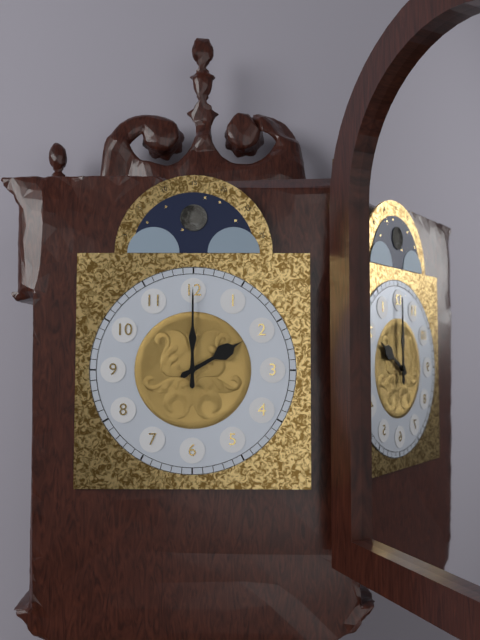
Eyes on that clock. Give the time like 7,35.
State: 2,00
